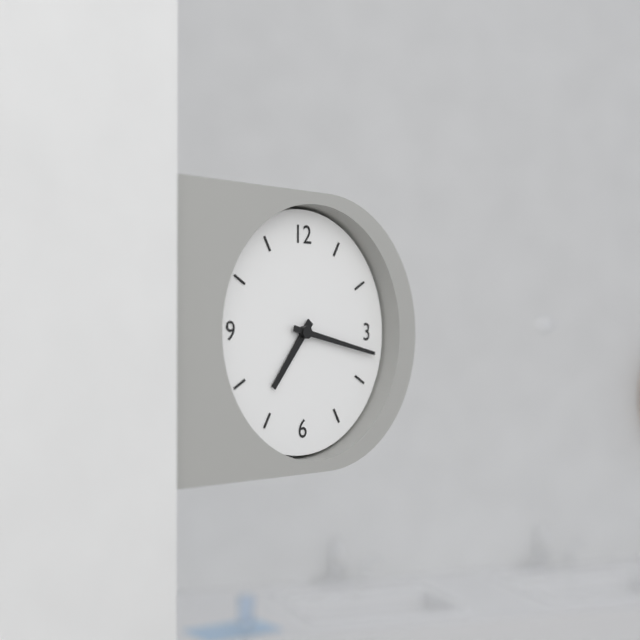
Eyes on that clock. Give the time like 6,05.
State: 7,17
